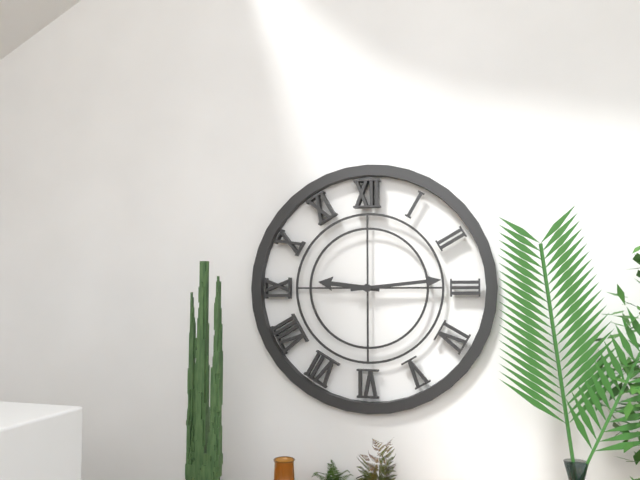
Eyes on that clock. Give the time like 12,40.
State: 9,14
